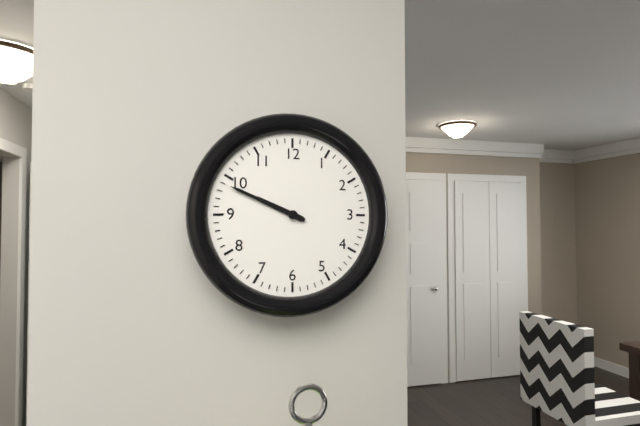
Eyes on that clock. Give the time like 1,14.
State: 9,49
